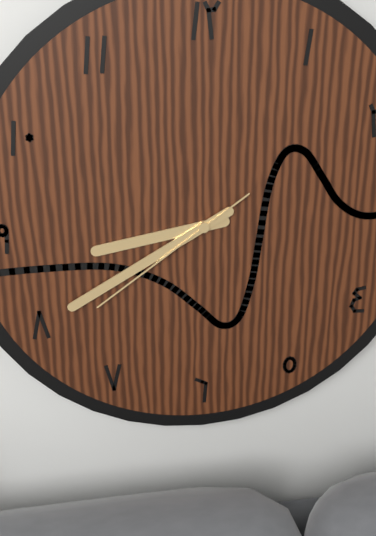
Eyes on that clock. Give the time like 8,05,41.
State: 8,40,39
